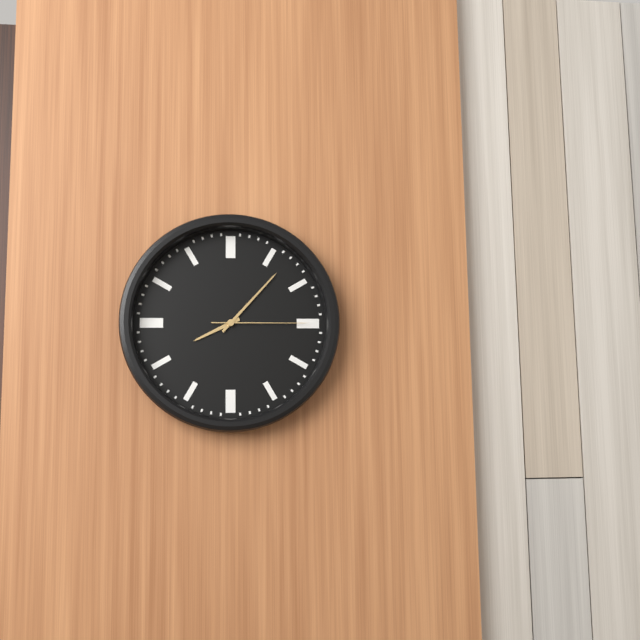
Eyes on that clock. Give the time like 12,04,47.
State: 8,07,15
